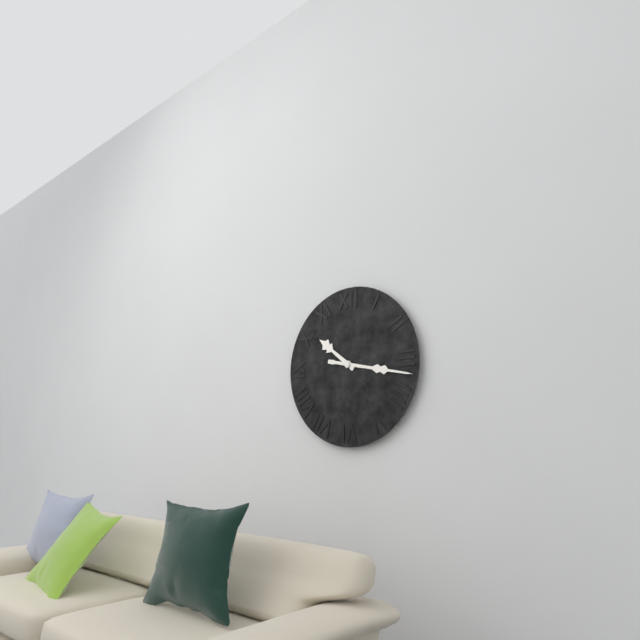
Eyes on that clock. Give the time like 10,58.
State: 10,17
